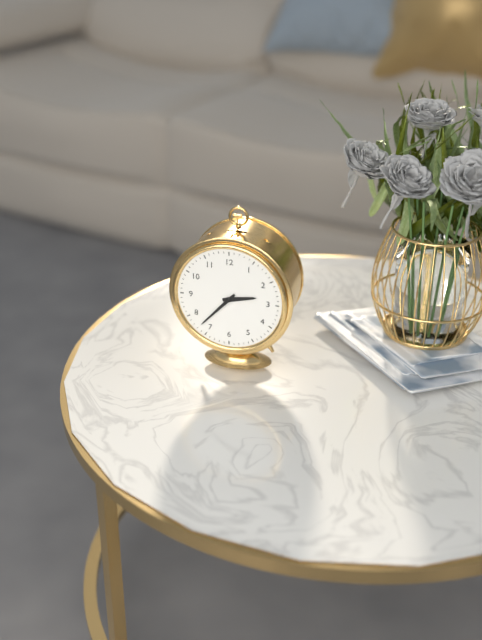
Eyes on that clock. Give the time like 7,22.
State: 2,37
